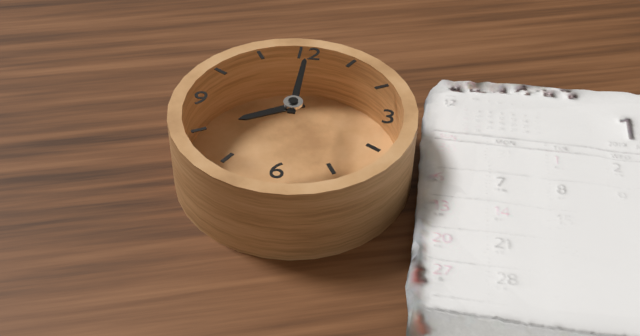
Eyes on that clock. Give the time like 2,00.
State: 8,00
